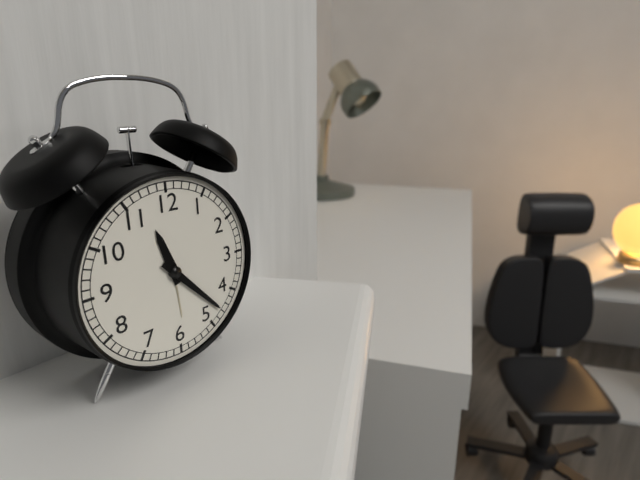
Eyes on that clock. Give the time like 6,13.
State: 11,23
